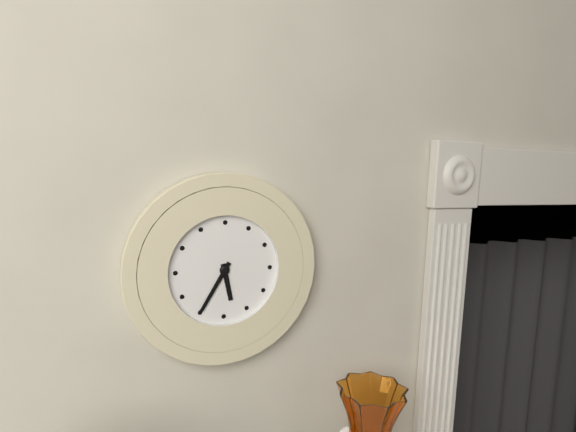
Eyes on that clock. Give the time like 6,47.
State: 5,35
